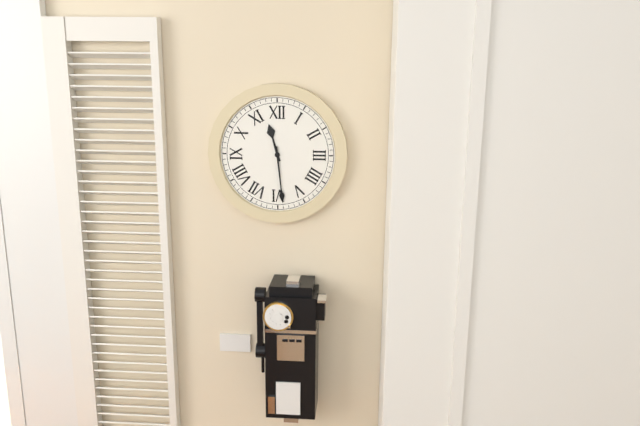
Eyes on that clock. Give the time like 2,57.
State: 11,29
